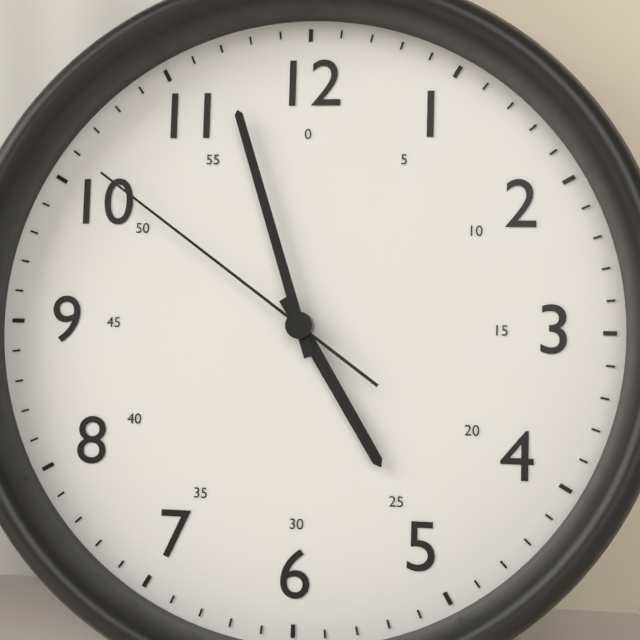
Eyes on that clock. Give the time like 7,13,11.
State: 4,57,51
